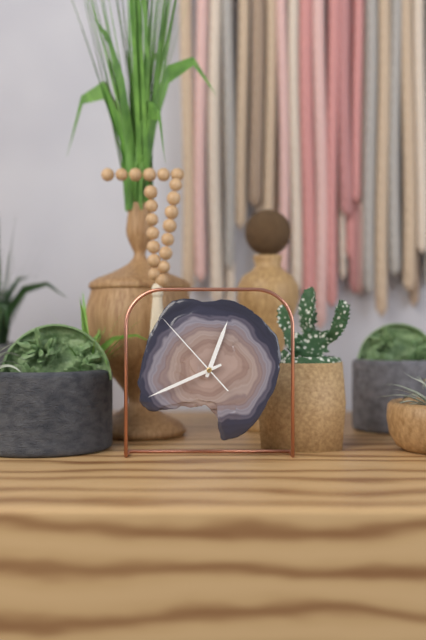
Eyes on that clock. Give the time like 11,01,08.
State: 12,41,53
